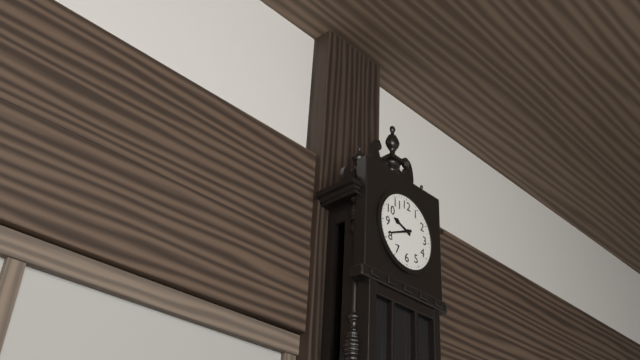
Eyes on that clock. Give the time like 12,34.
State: 9,41
